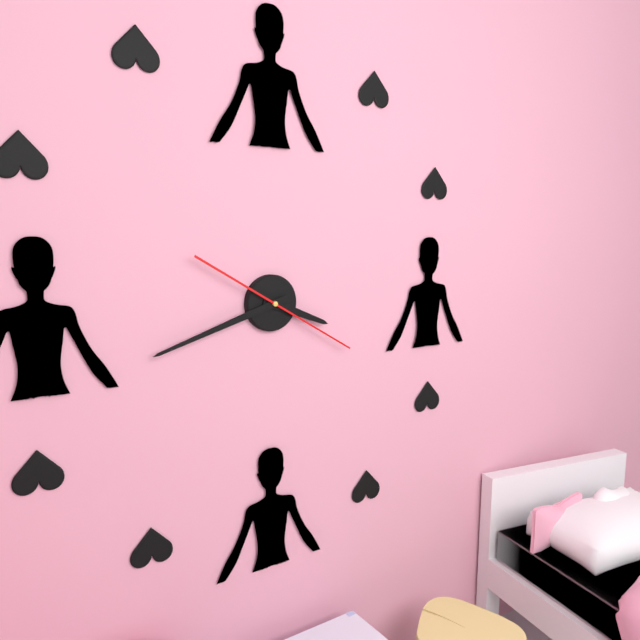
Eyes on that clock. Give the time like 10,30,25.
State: 3,42,20
